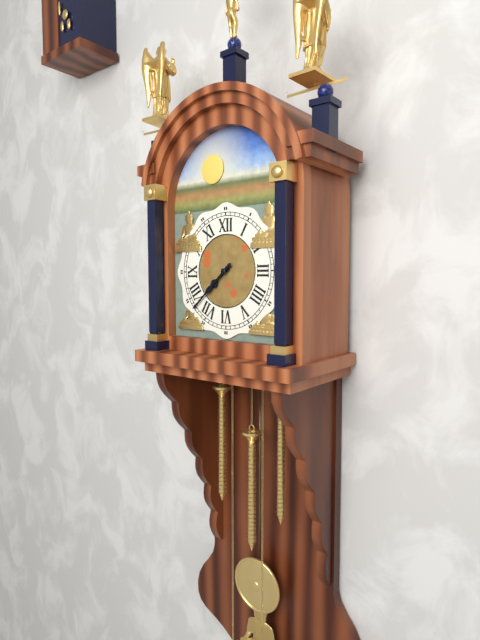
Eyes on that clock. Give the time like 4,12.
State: 7,38
